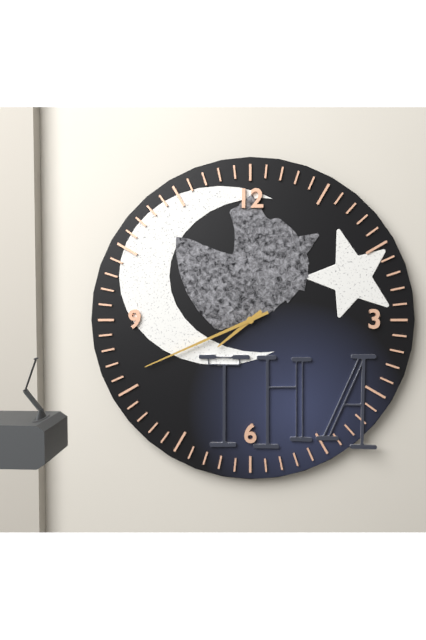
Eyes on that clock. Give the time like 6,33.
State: 7,41
